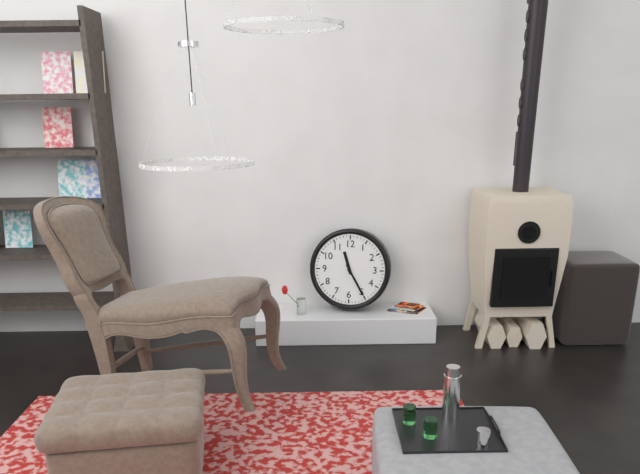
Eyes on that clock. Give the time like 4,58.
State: 11,25
